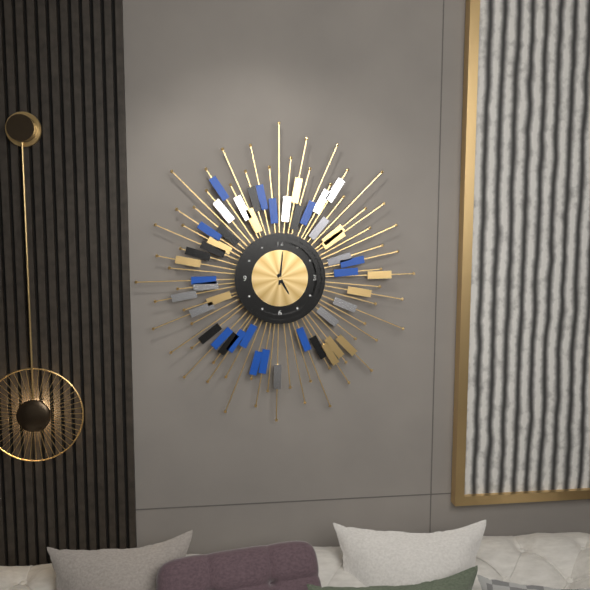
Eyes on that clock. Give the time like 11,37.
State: 5,01
